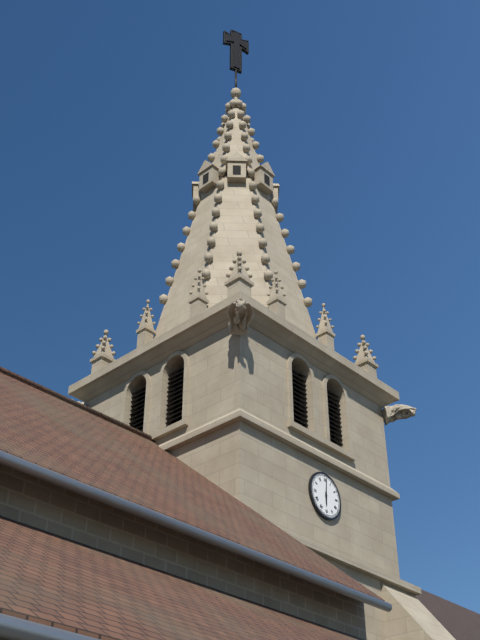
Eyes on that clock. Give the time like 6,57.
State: 6,01
